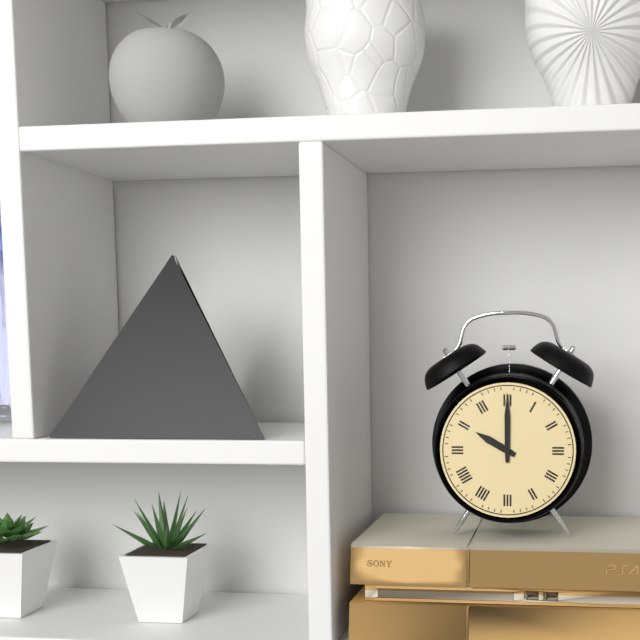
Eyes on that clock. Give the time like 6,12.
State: 10,00
